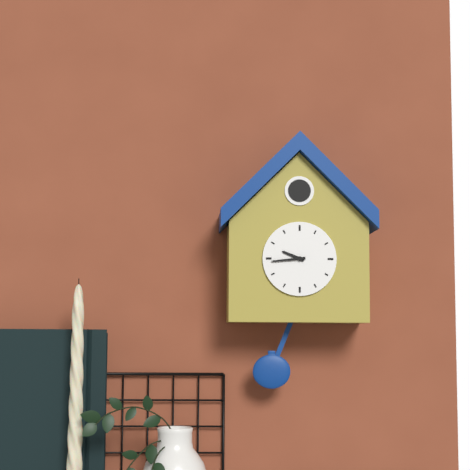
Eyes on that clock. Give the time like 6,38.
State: 9,44
